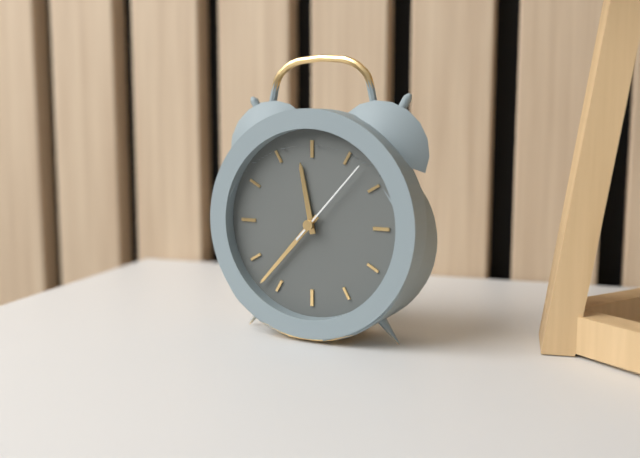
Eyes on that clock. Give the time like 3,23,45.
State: 11,37,07
